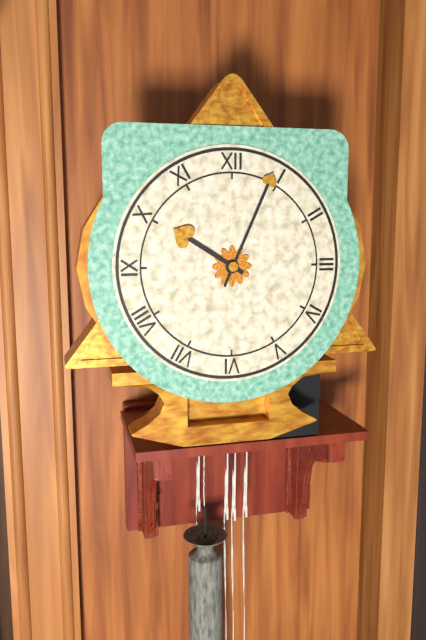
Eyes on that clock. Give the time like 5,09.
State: 10,04
